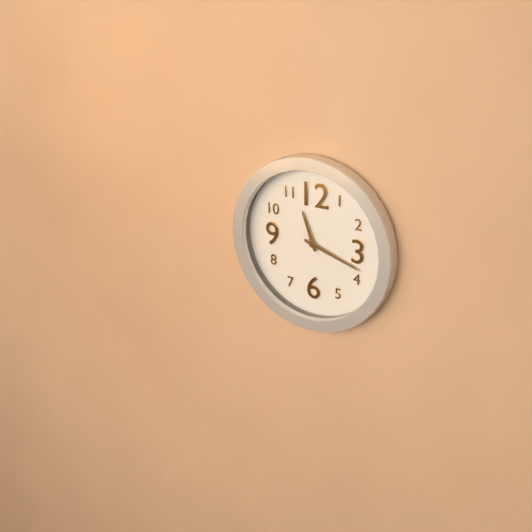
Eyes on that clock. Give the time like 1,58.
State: 11,18
